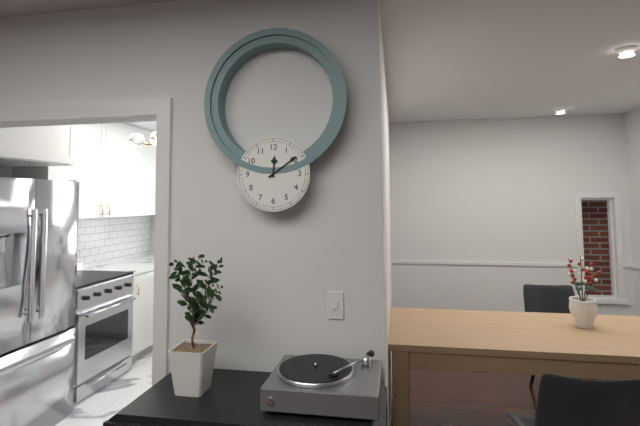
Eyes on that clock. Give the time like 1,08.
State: 12,09
